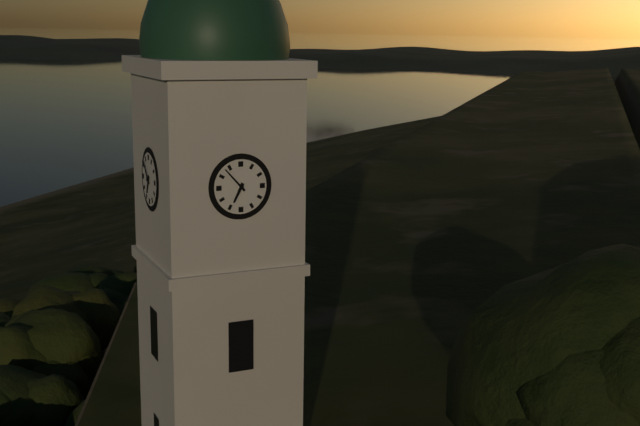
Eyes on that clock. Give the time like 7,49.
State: 6,53
